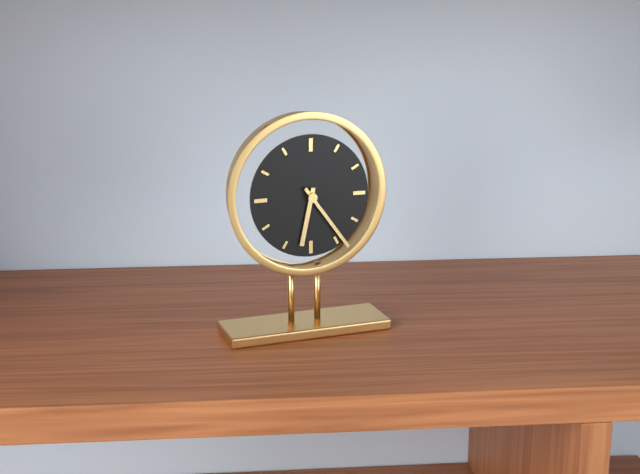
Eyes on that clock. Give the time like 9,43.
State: 6,24
